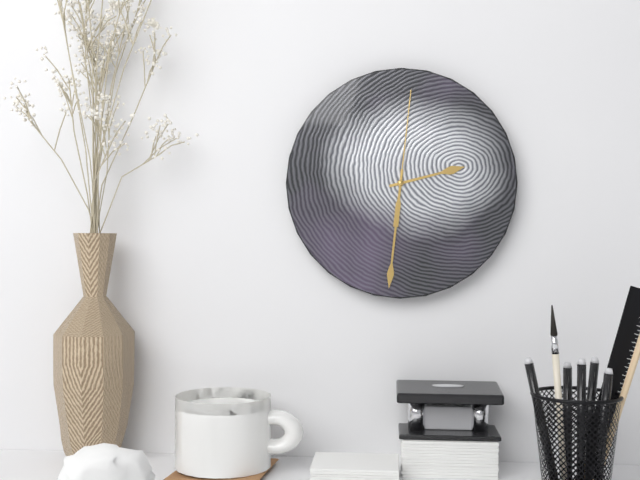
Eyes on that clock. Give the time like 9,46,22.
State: 2,31,01
